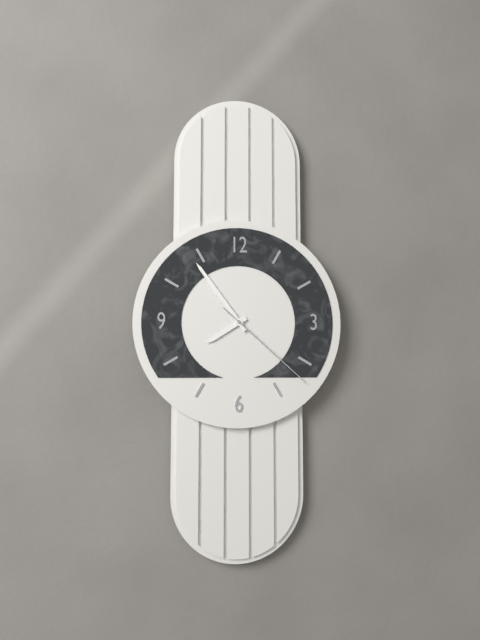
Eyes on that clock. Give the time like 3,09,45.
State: 7,54,22
